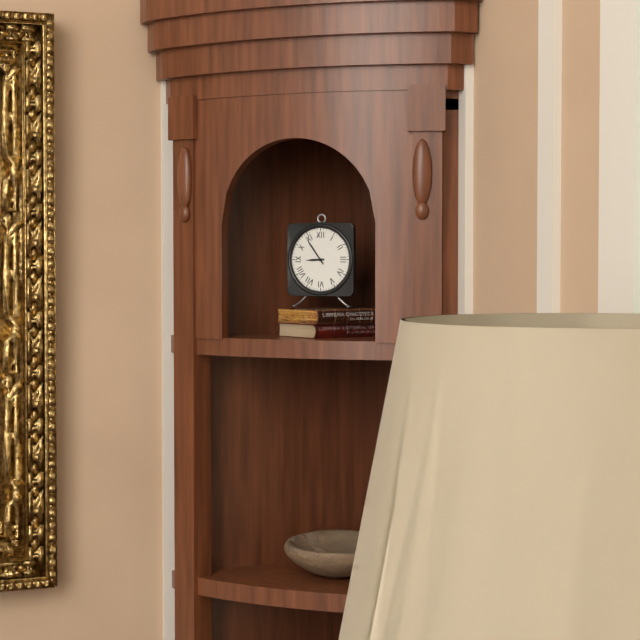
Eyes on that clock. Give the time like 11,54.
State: 8,54
